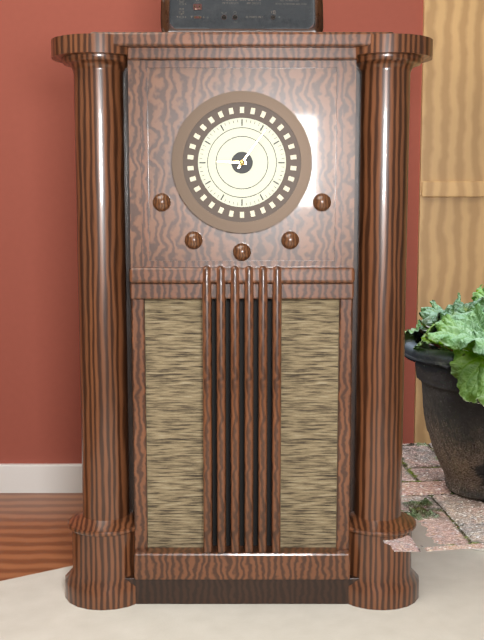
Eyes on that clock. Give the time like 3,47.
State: 9,06
